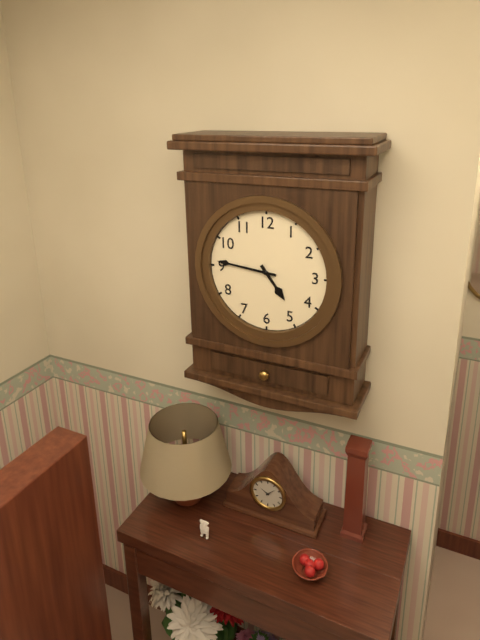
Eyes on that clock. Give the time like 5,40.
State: 4,46
